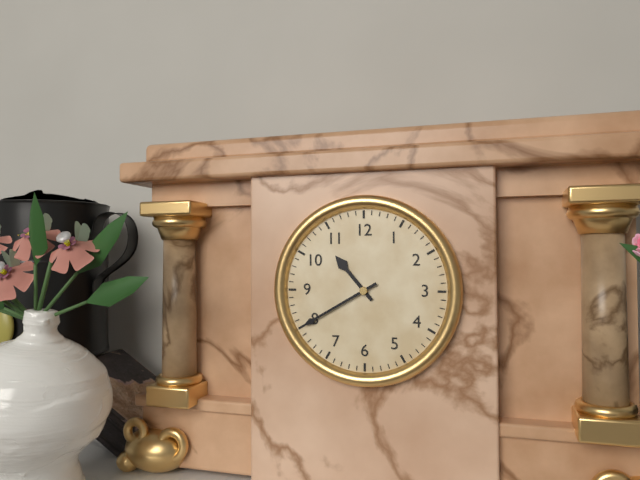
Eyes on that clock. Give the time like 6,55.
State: 10,40
